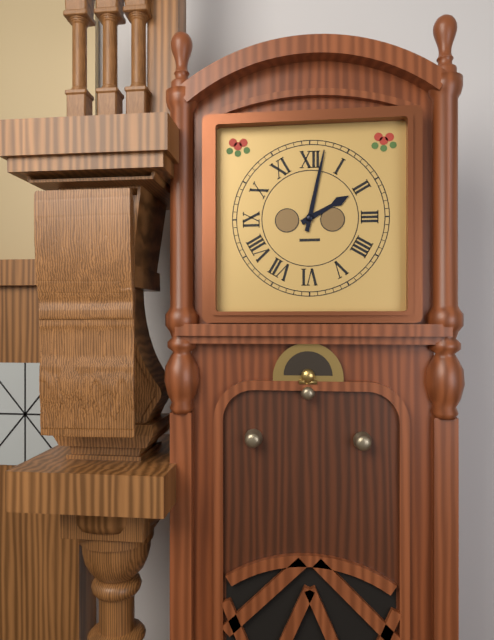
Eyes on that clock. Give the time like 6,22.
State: 2,02
